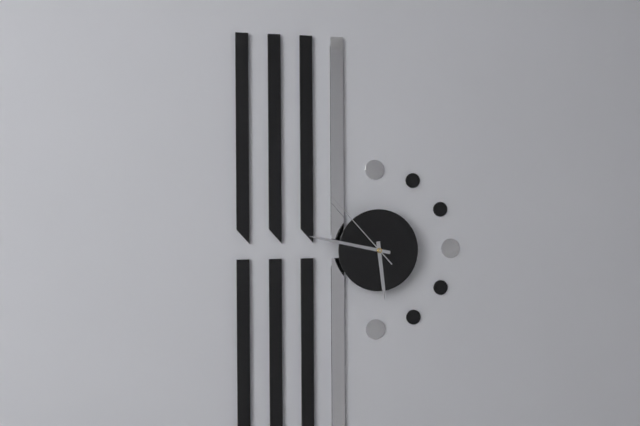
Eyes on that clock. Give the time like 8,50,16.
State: 5,47,53
